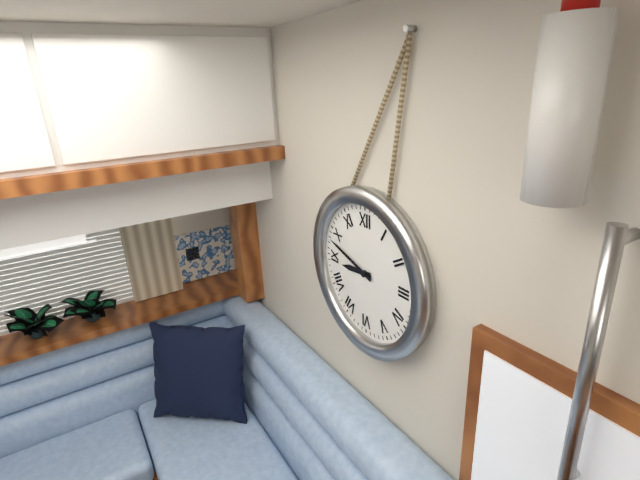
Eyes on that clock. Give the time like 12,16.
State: 8,48
